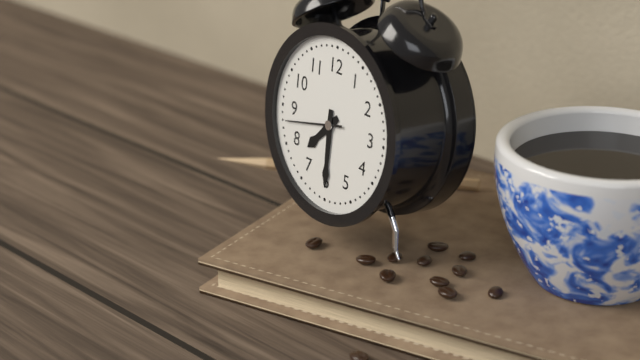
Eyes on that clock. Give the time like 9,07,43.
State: 7,30,43
